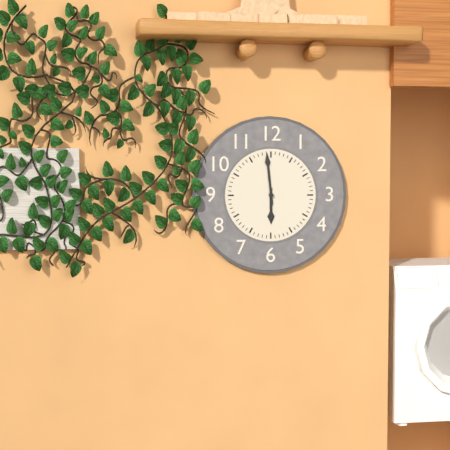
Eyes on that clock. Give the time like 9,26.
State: 5,59
